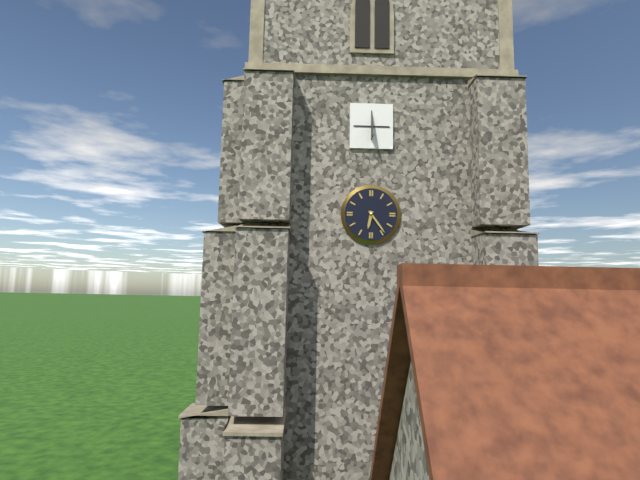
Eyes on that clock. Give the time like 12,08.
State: 6,24
